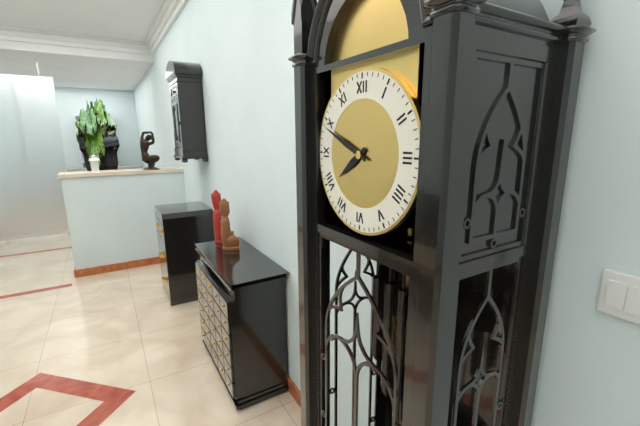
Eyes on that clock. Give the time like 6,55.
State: 7,49
